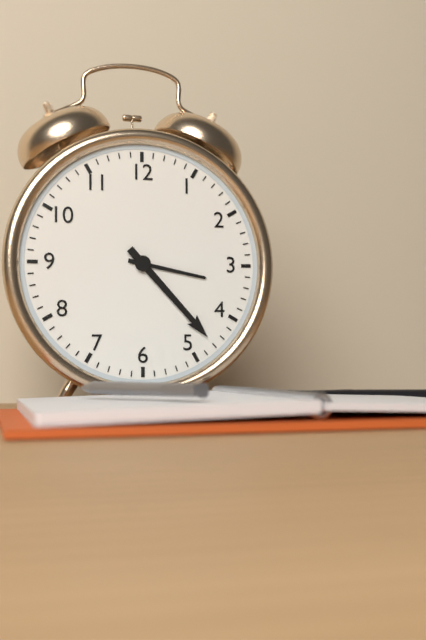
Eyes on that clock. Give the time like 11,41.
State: 3,23
